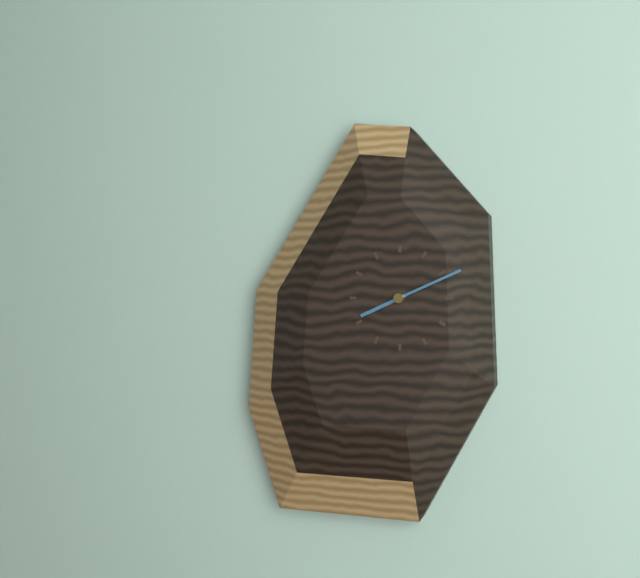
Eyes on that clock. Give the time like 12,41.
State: 8,11
